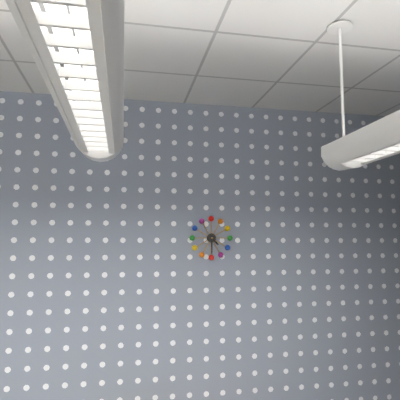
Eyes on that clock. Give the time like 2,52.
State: 4,30
